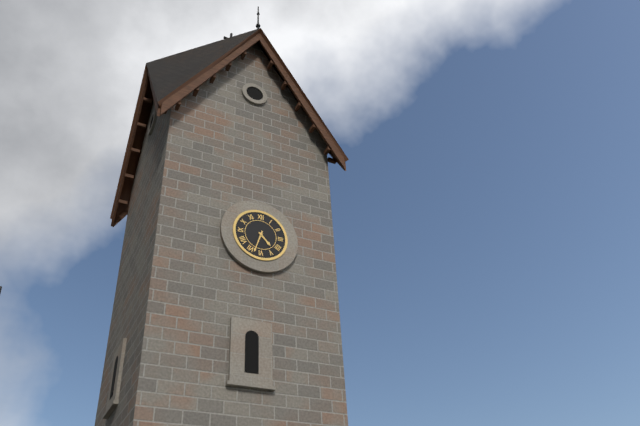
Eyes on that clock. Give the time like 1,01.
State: 4,33
